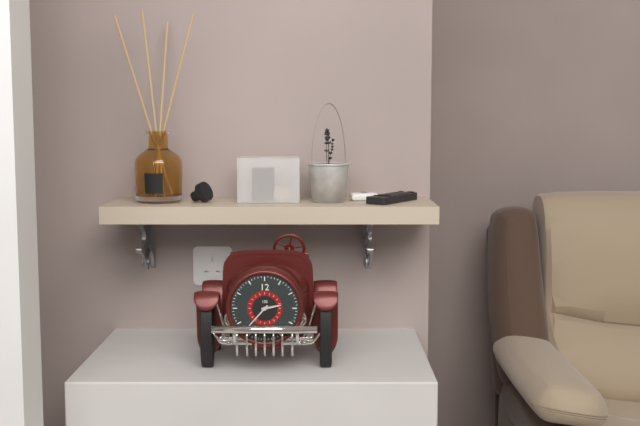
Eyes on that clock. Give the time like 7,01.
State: 2,37
